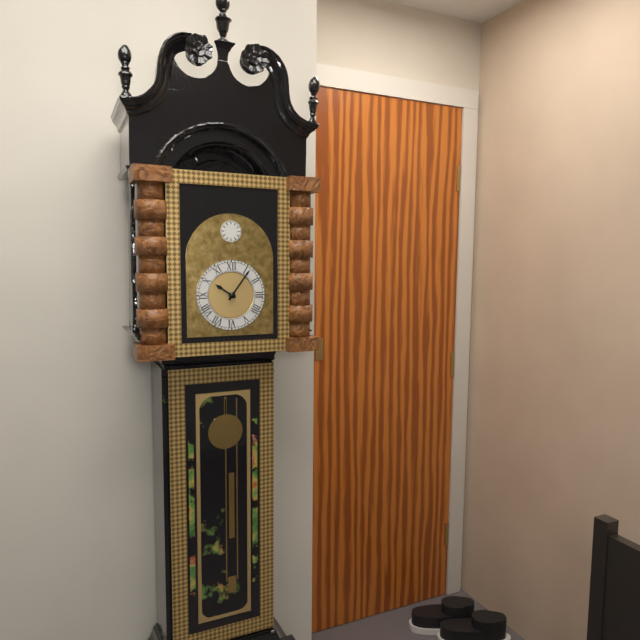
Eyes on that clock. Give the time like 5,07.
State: 10,06
